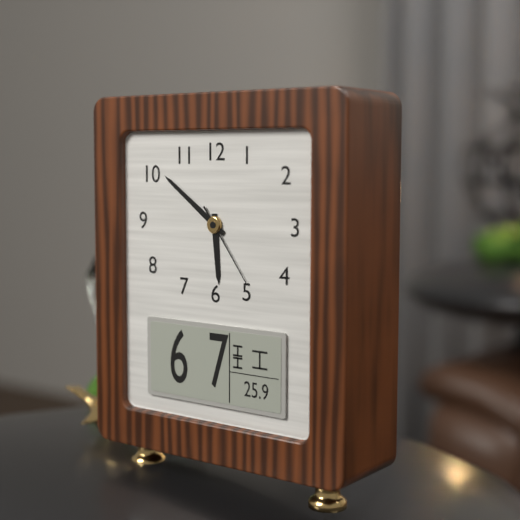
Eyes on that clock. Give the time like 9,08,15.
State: 5,51,24
